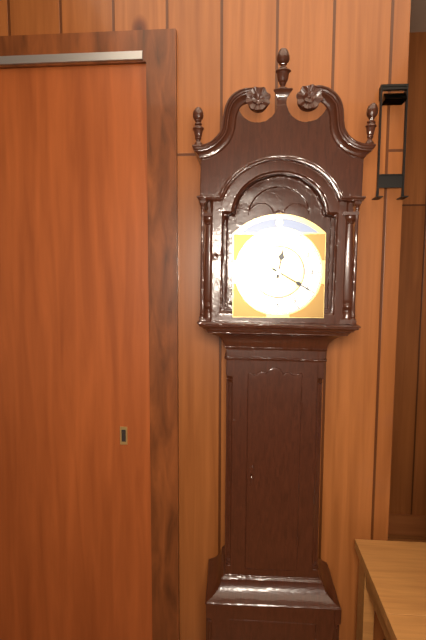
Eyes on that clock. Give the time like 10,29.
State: 12,20
